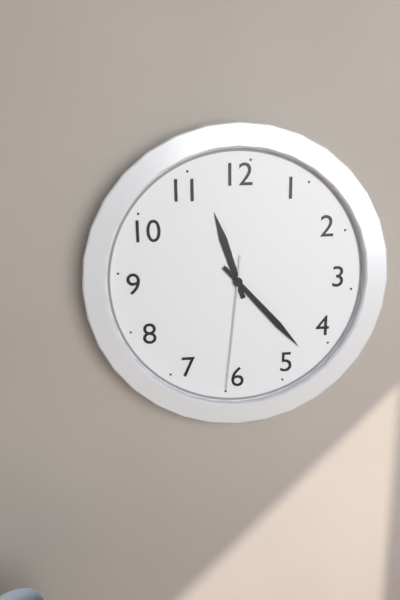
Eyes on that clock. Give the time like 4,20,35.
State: 11,23,31
